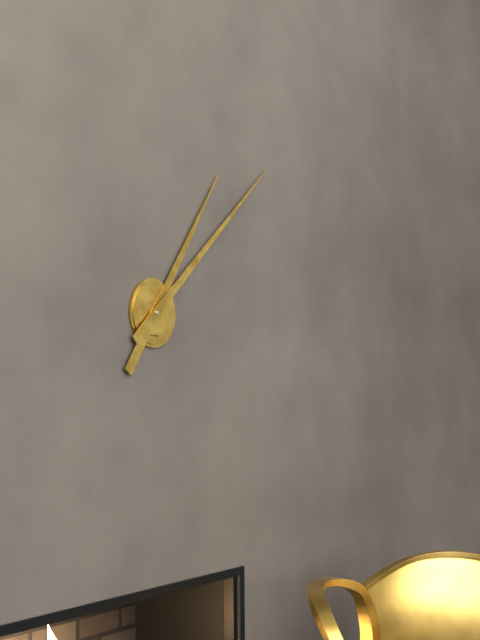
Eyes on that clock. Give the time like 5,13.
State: 1,08
